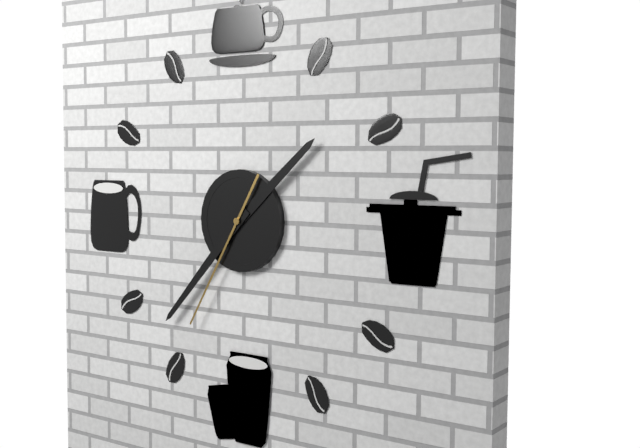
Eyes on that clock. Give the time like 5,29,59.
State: 1,37,35
